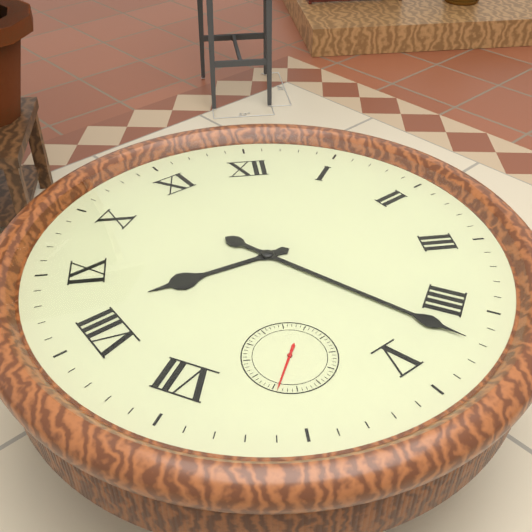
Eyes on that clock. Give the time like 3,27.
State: 8,22
